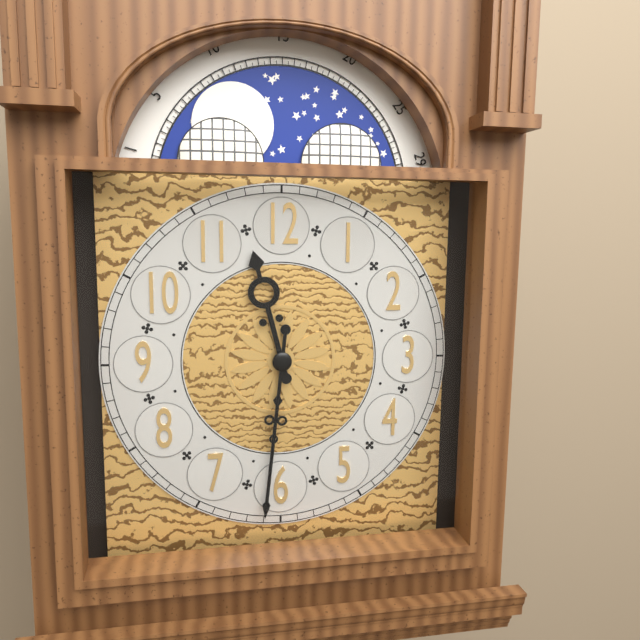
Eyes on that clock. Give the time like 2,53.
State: 11,31
